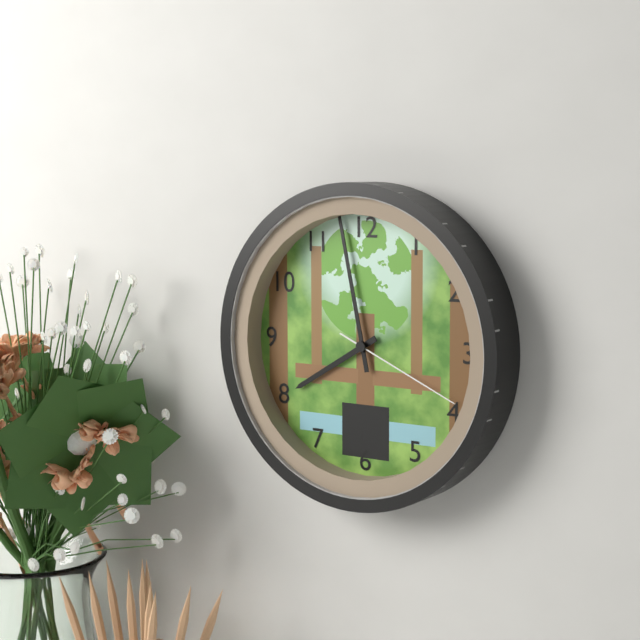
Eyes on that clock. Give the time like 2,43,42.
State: 7,58,19
